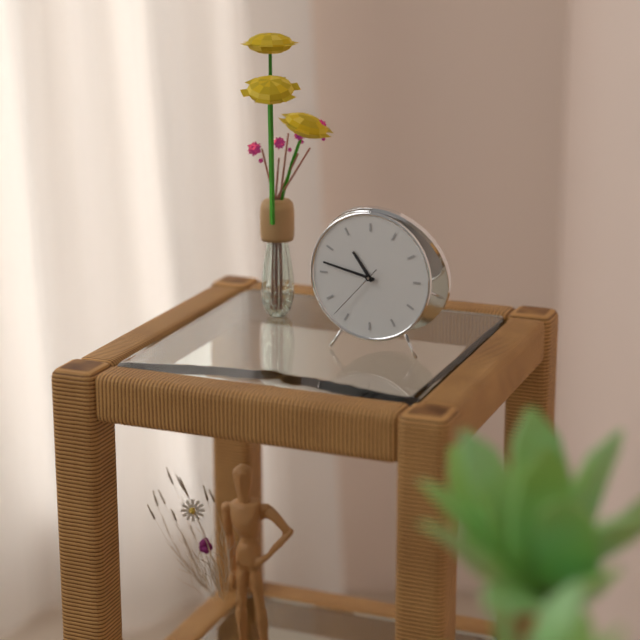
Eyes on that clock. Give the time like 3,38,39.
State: 10,47,37
